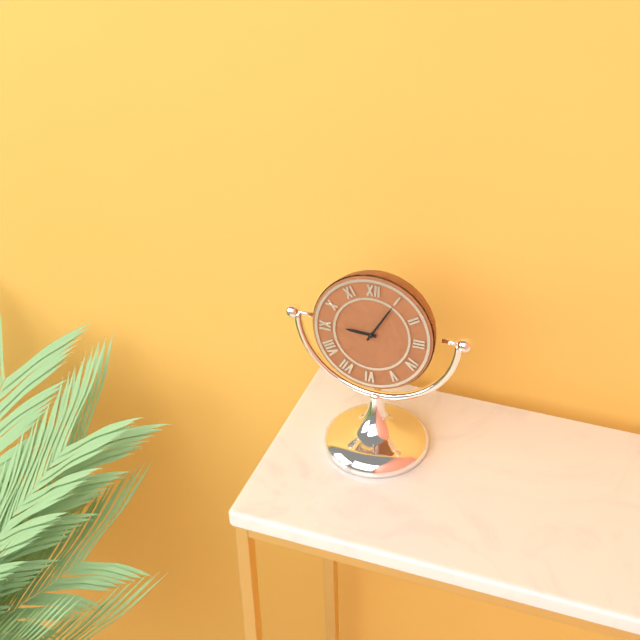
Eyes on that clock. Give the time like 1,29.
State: 9,05
